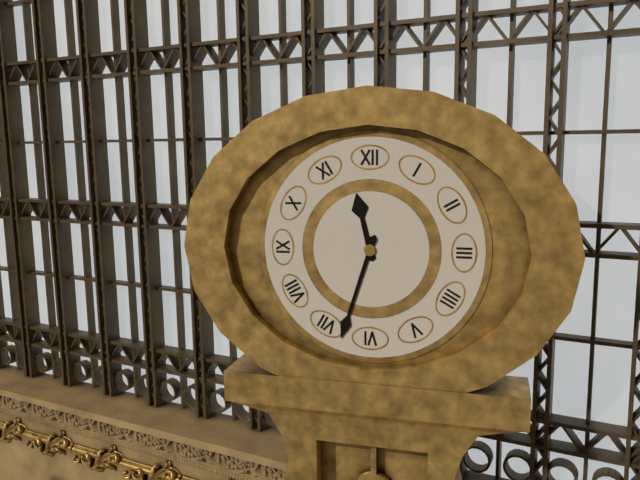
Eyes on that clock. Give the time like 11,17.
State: 11,33
